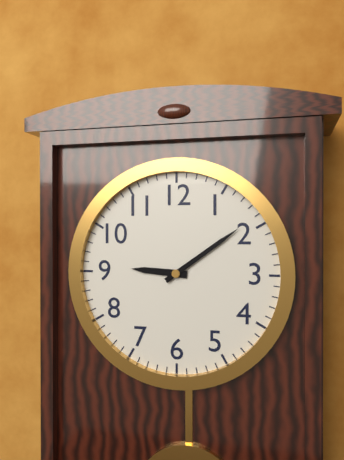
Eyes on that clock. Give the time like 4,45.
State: 9,09
